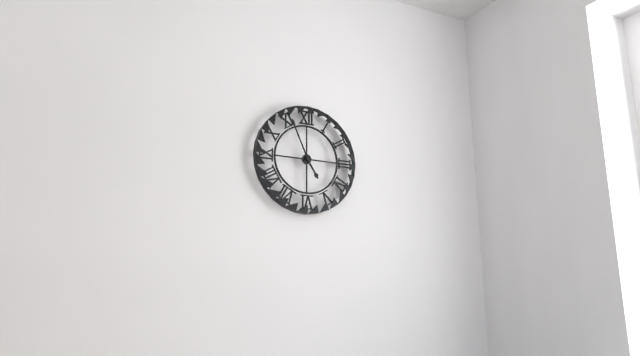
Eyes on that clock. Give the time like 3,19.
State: 4,56
